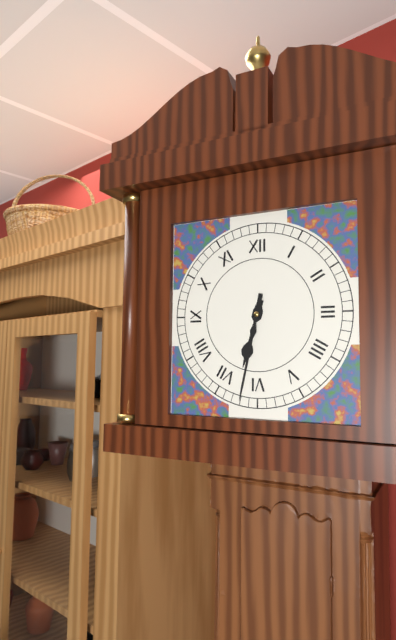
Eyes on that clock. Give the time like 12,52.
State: 6,32
